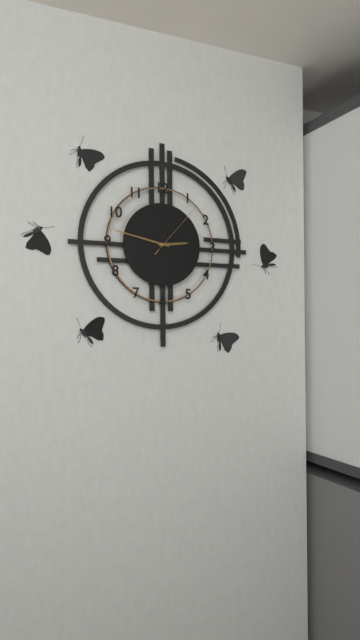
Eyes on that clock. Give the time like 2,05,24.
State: 2,47,07
